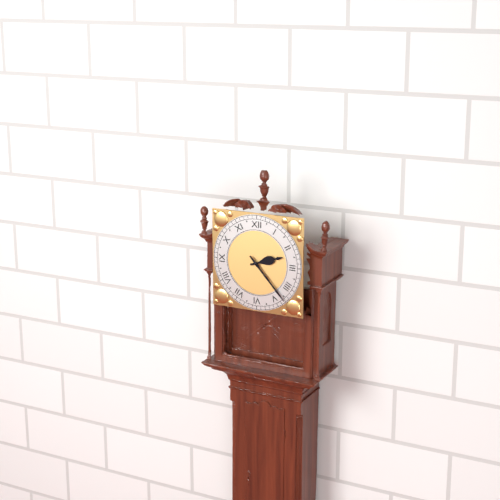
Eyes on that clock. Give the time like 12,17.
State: 2,23
